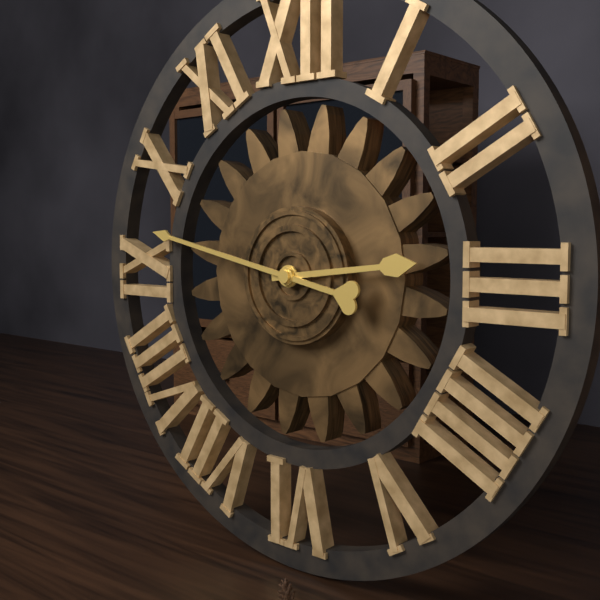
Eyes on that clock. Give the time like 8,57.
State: 2,47
